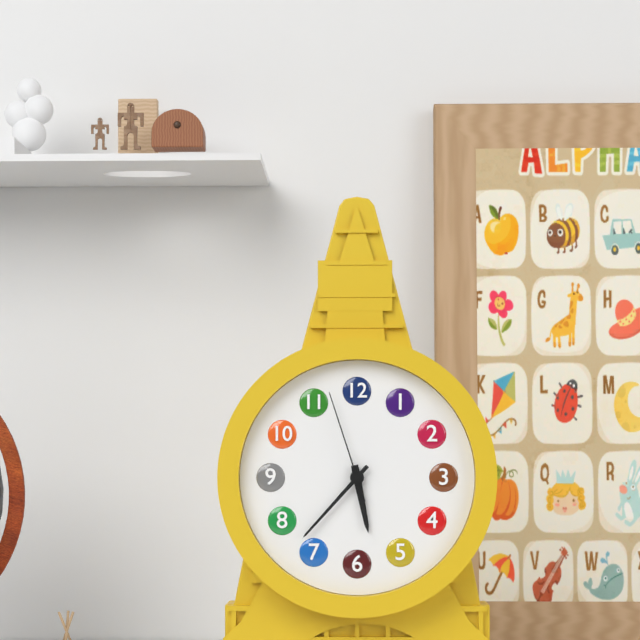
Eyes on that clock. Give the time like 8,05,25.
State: 5,37,57
